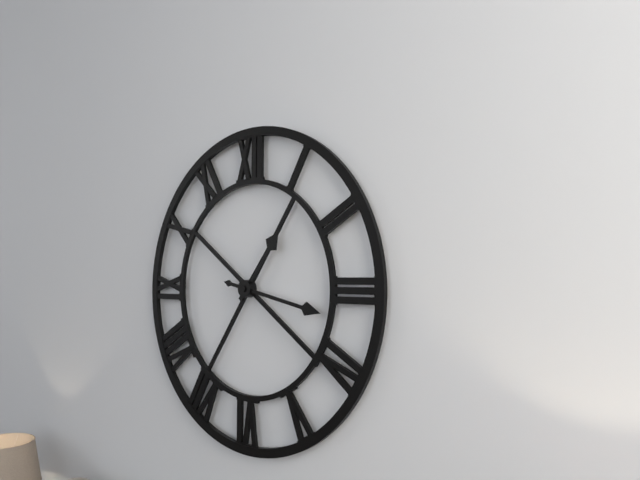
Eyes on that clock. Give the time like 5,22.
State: 1,17
